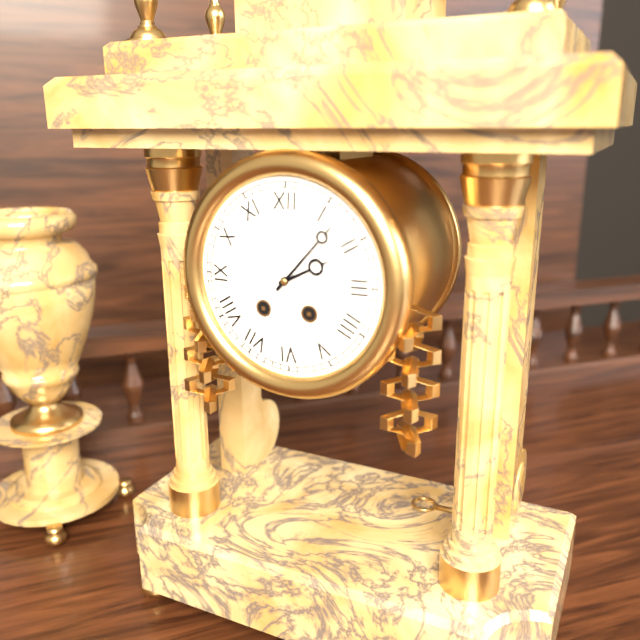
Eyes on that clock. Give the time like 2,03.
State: 2,07
